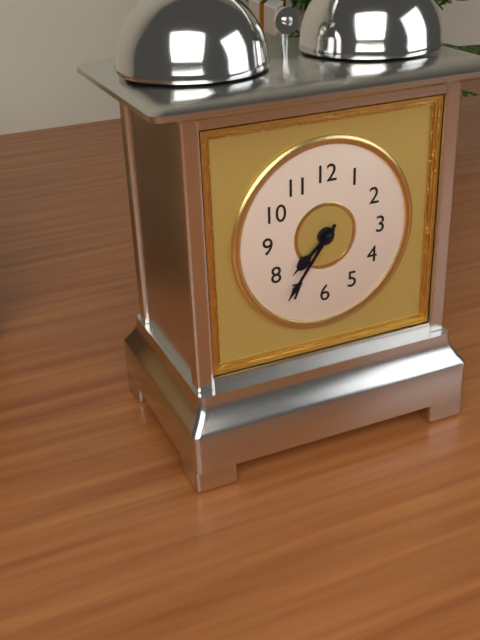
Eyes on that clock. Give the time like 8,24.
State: 7,36
